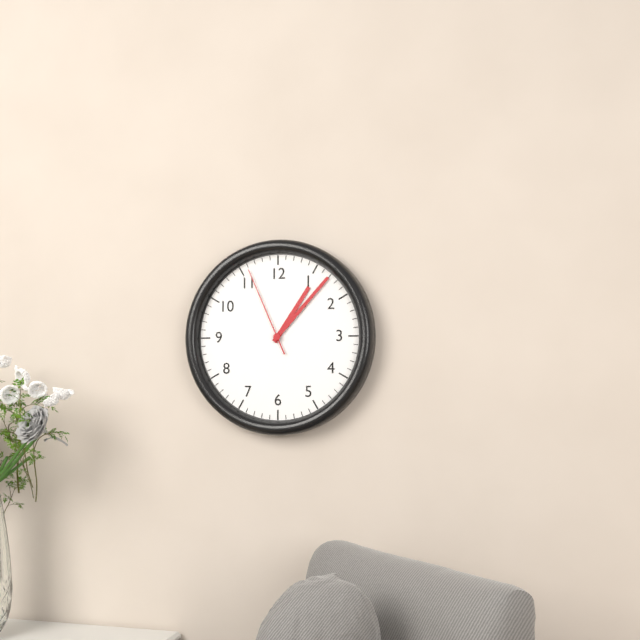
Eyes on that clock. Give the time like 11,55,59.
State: 1,07,56
